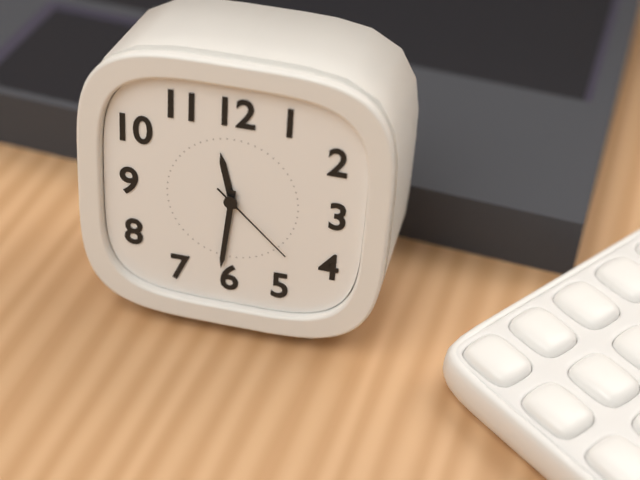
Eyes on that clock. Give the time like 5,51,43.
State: 11,31,22
